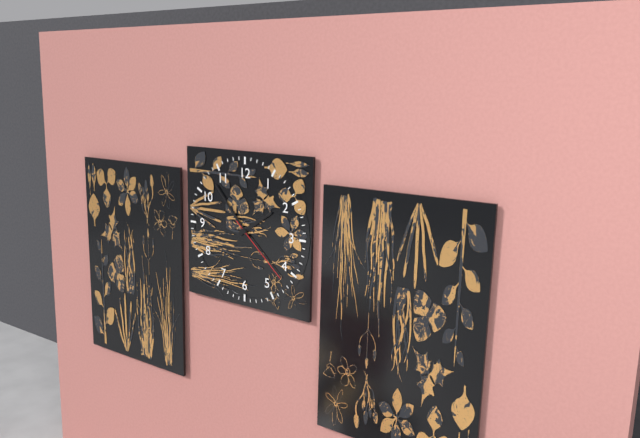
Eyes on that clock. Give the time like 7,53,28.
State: 1,53,22
